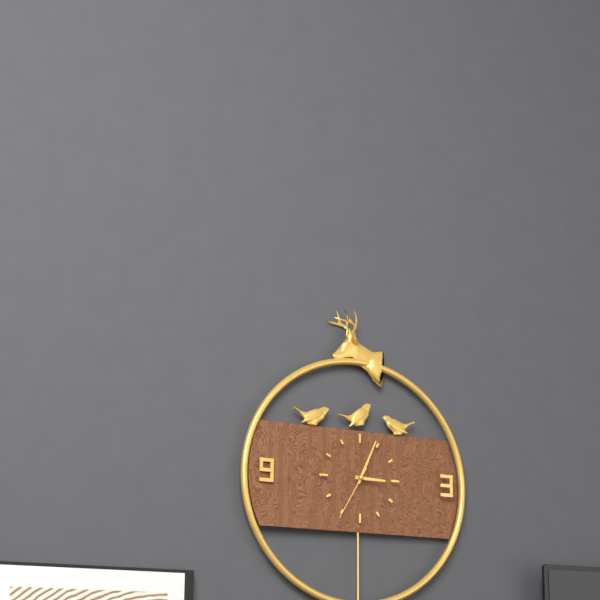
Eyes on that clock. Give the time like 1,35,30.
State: 3,04,35
